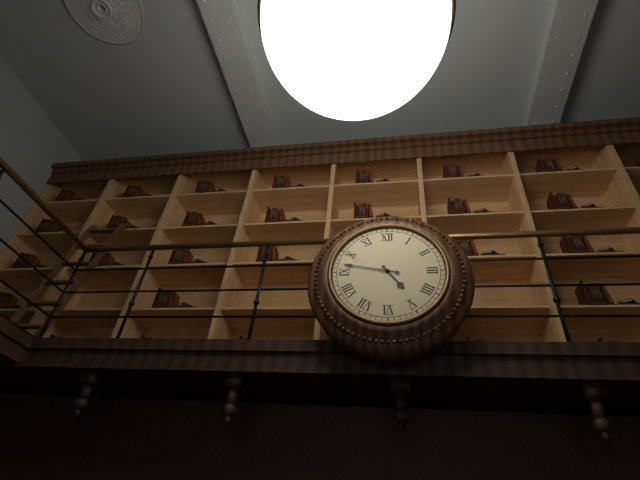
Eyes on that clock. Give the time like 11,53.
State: 4,47
